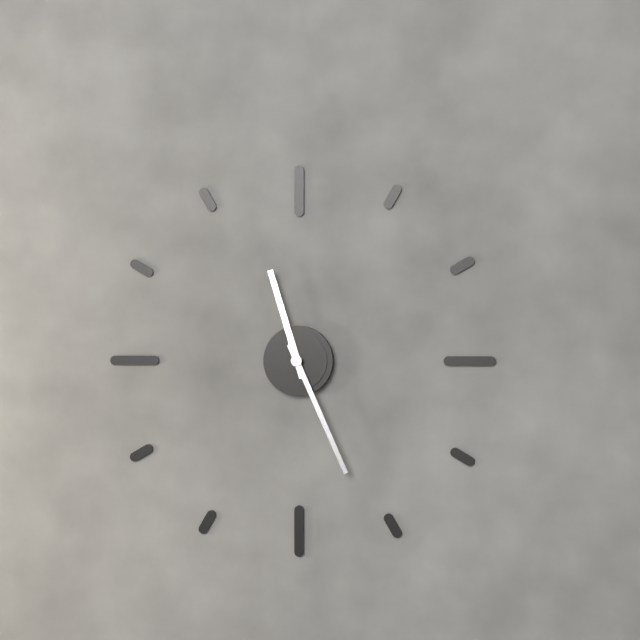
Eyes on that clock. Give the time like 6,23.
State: 11,26
